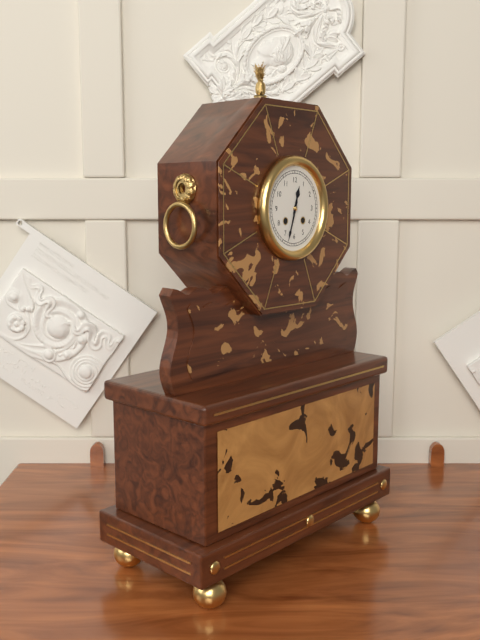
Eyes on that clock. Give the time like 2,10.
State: 12,33
